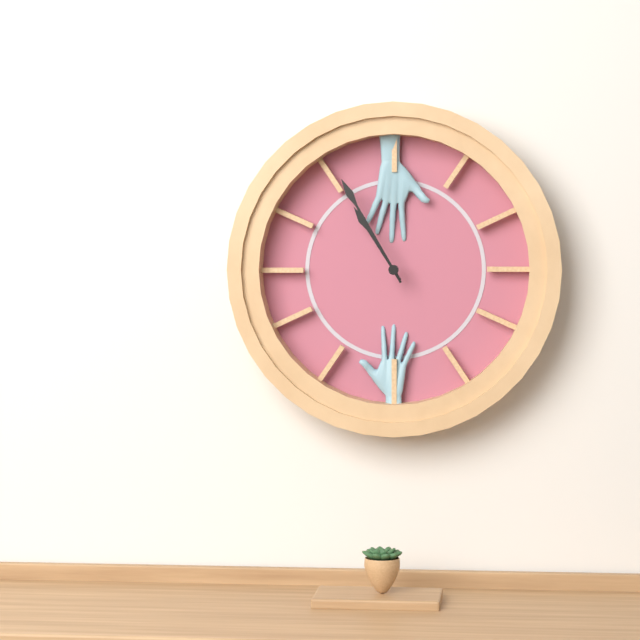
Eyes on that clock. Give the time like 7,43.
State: 10,55
